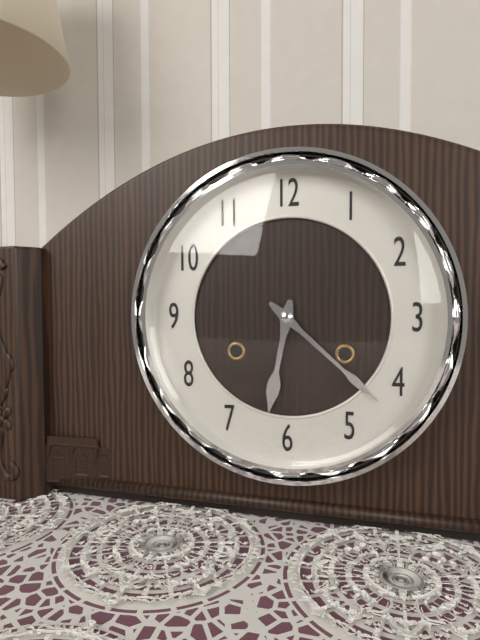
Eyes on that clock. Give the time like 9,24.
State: 6,22
